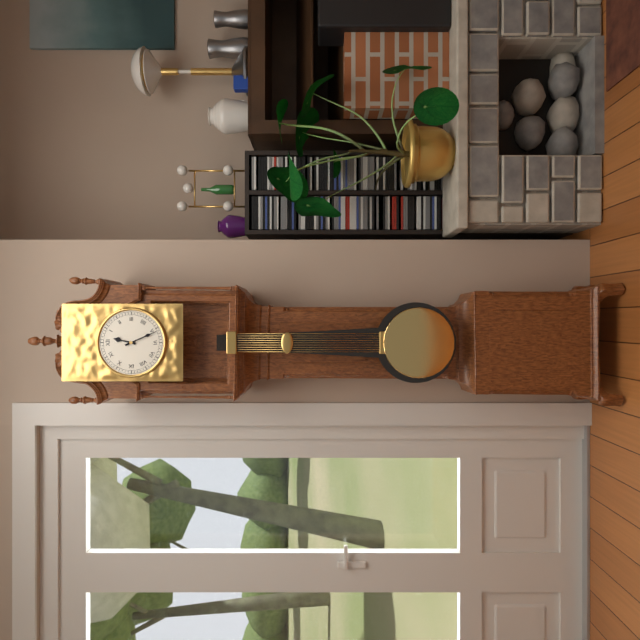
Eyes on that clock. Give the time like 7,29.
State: 12,26
